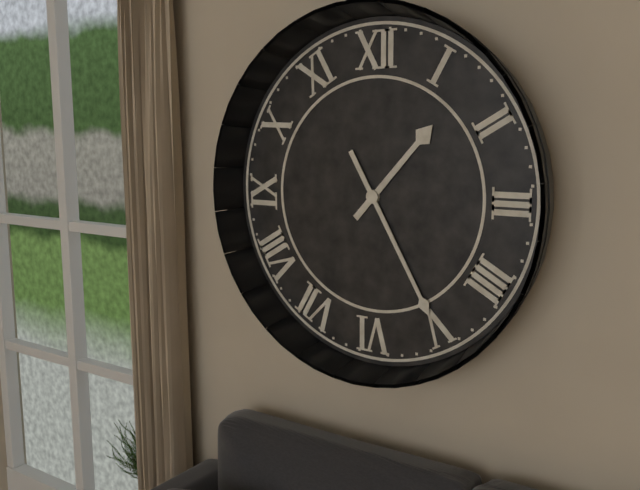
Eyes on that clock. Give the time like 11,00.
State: 1,25
